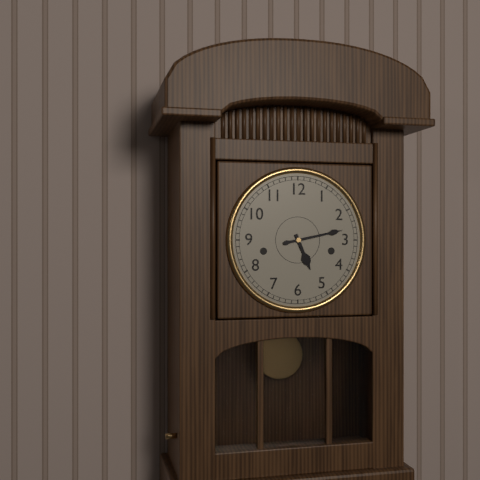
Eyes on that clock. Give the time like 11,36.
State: 5,13
